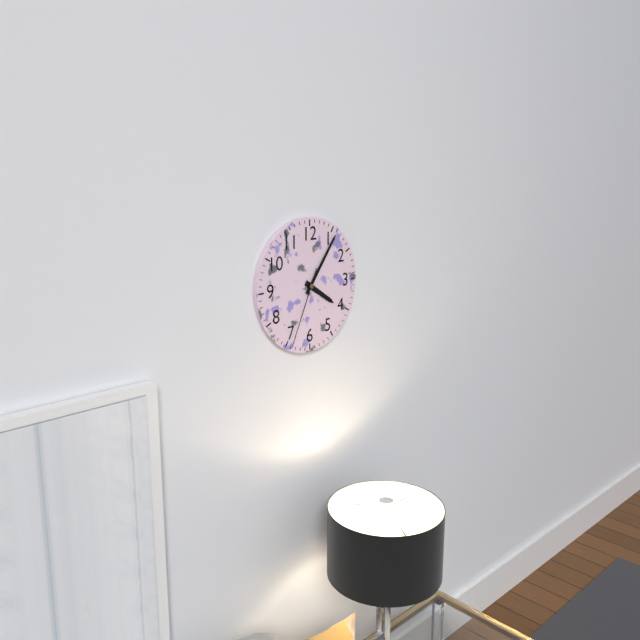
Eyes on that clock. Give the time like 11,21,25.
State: 4,06,34
